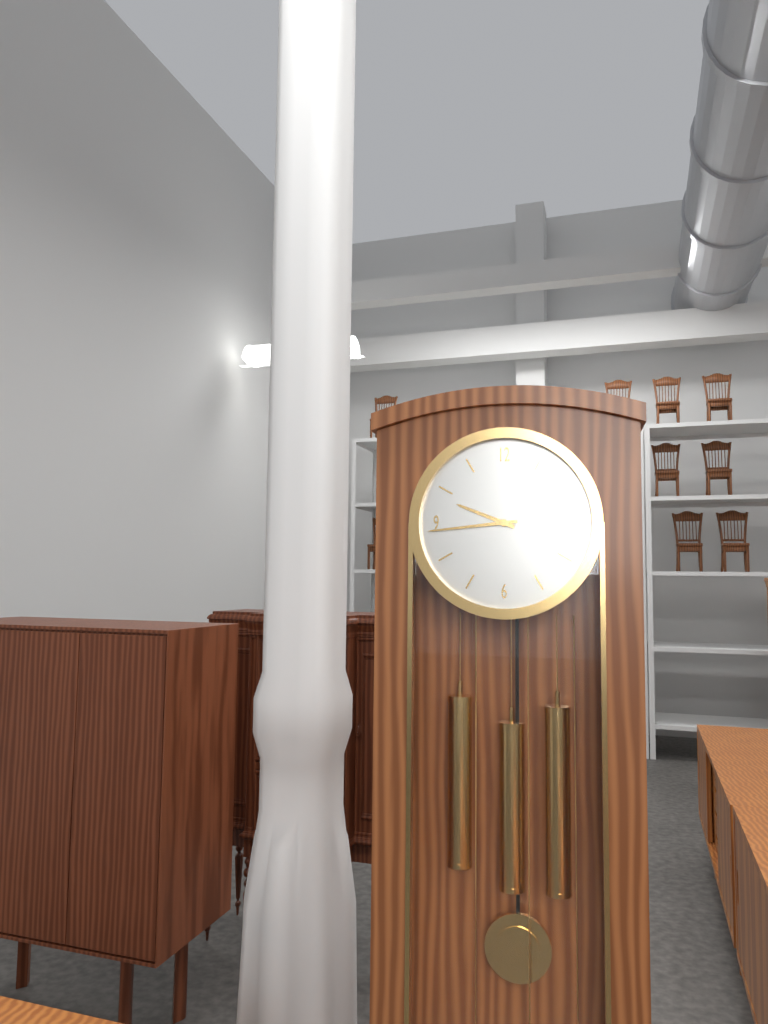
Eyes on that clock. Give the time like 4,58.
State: 9,44
